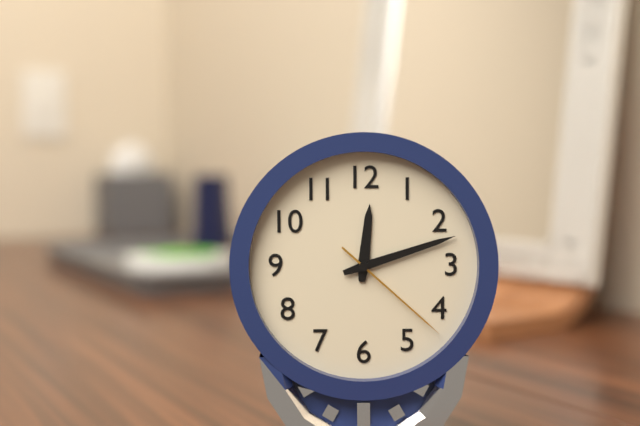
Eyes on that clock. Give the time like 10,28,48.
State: 12,12,22
